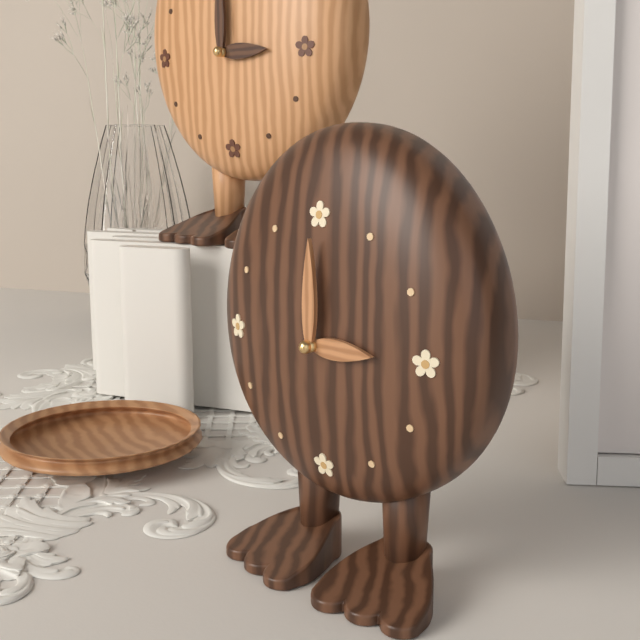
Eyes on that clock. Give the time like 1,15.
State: 3,00
